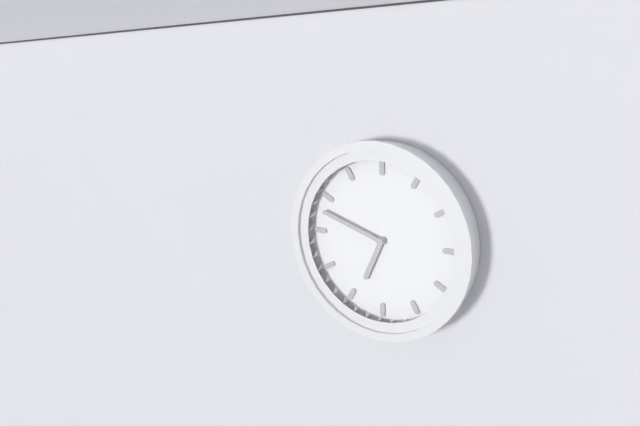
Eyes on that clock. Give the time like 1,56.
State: 6,48
